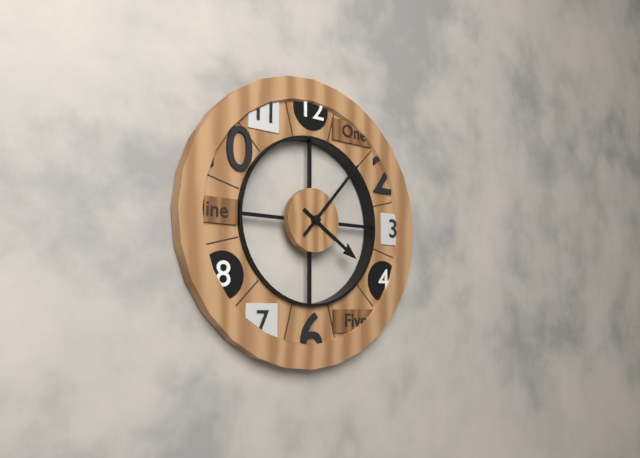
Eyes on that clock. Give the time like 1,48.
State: 4,07
